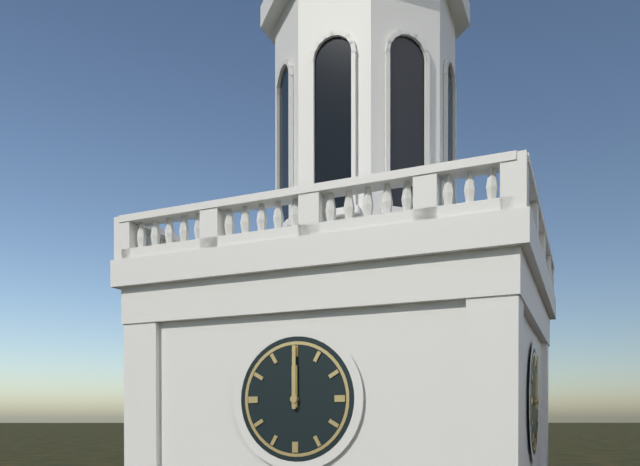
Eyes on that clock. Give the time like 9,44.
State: 12,00
